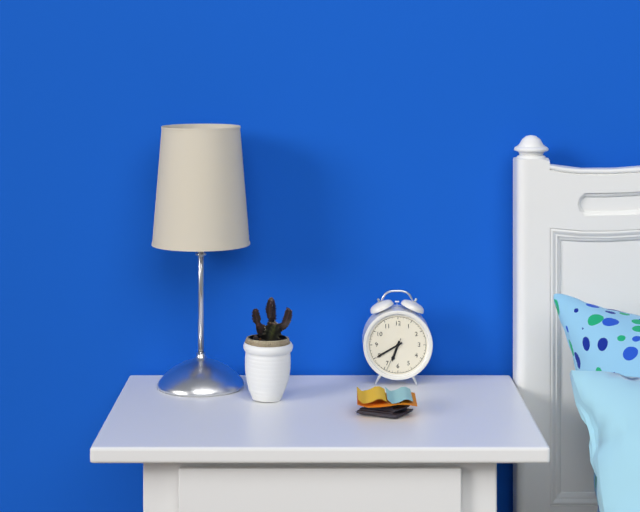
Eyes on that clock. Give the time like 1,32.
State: 6,40
